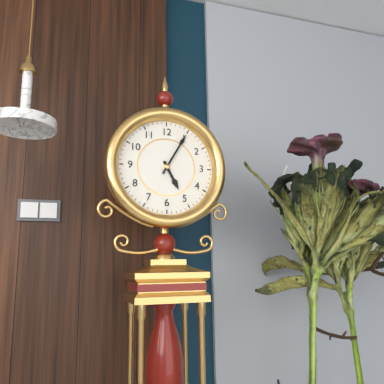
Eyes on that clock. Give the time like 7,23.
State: 5,05
